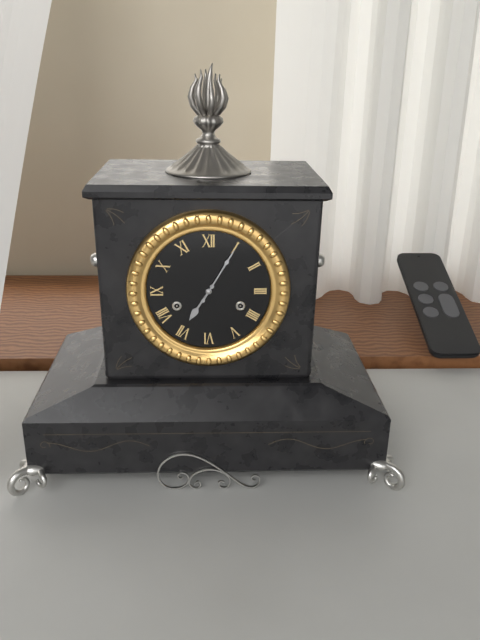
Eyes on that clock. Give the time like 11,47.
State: 7,05
